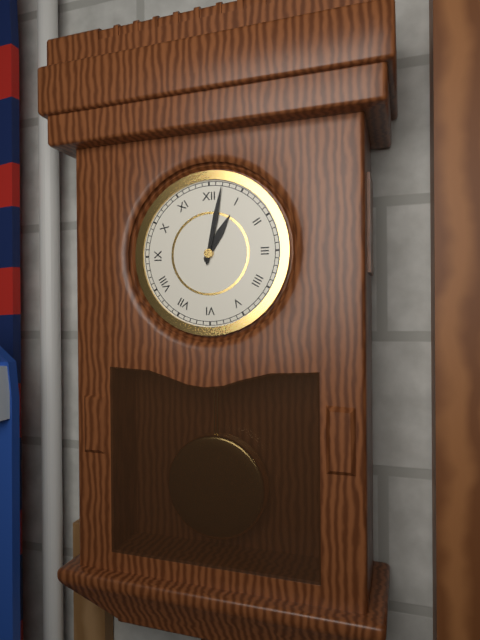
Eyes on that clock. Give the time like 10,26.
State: 1,02
